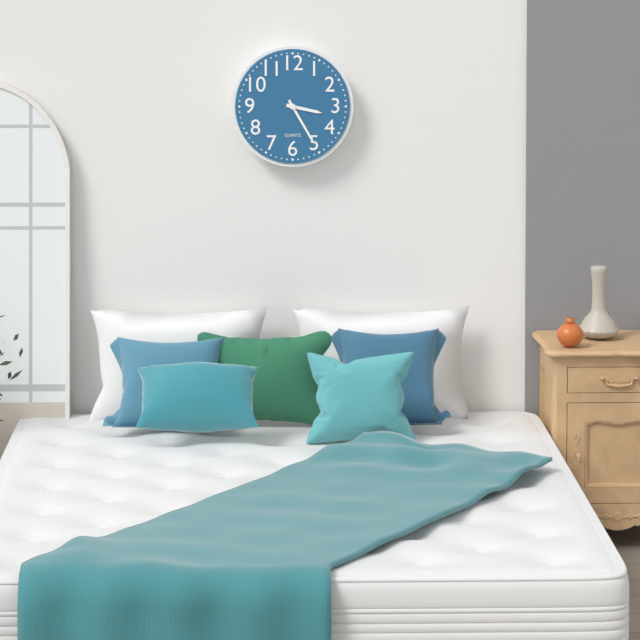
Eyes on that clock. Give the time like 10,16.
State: 3,25
